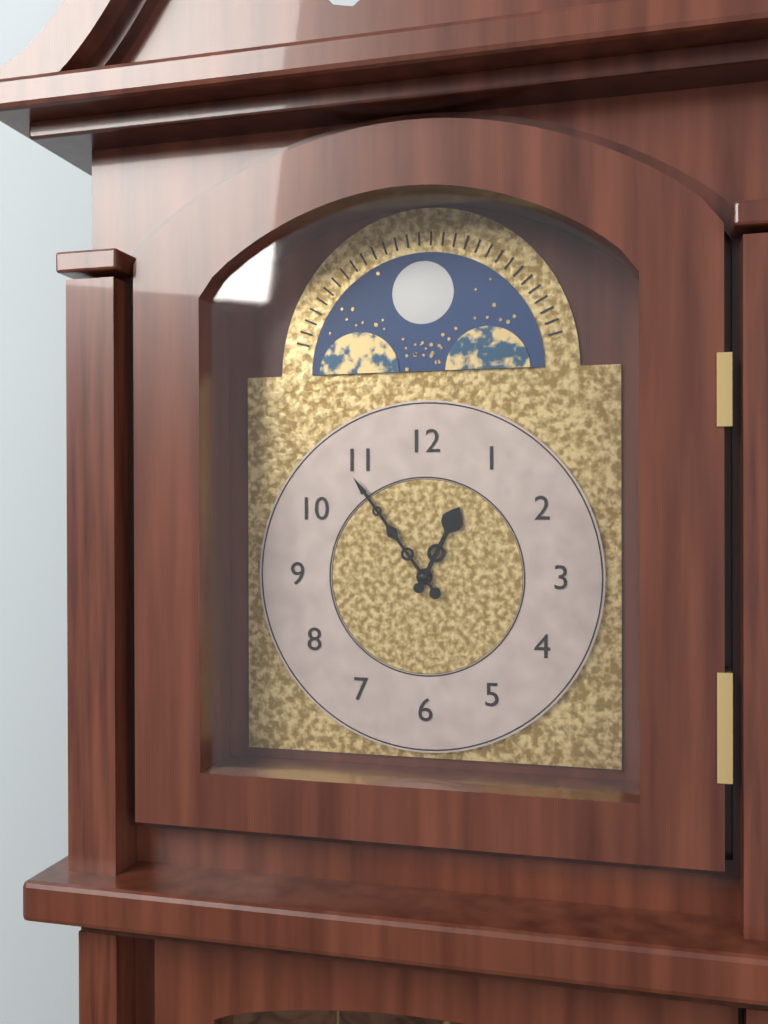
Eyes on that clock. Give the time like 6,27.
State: 12,54
